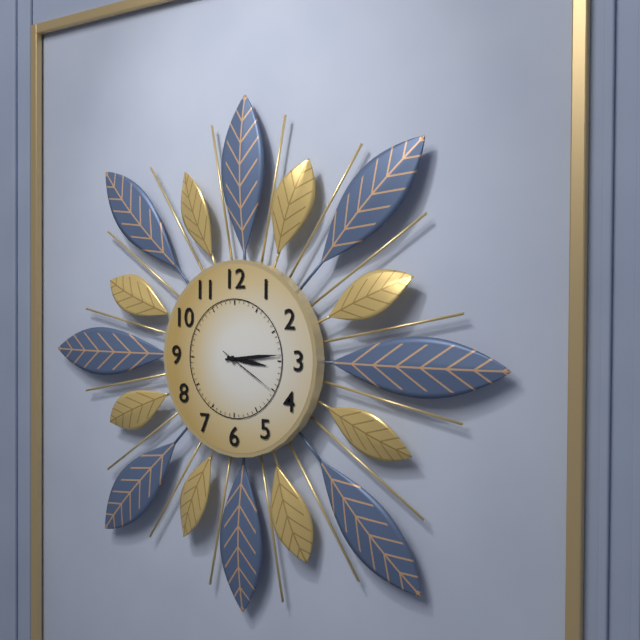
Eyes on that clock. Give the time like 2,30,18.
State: 3,14,20
